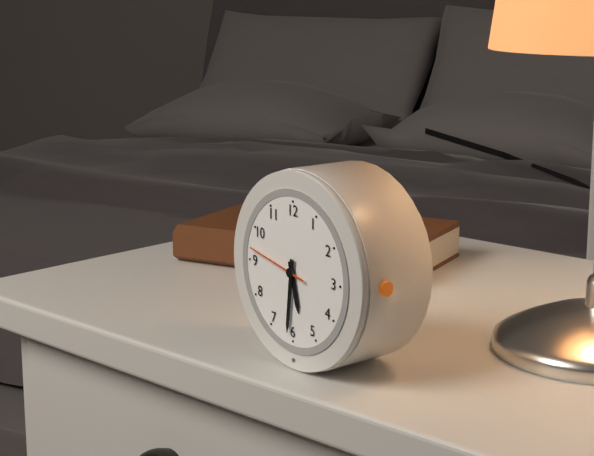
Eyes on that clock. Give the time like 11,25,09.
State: 5,31,47
